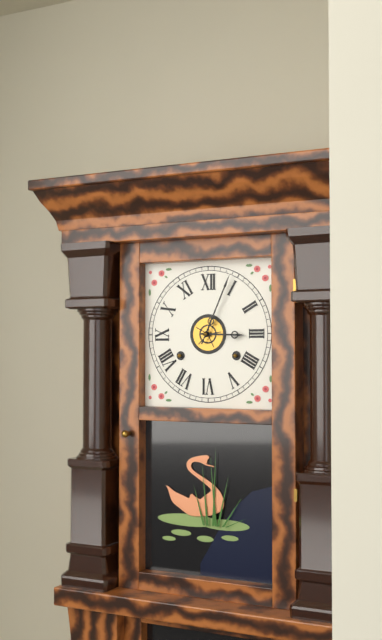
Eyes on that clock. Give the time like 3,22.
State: 3,04
